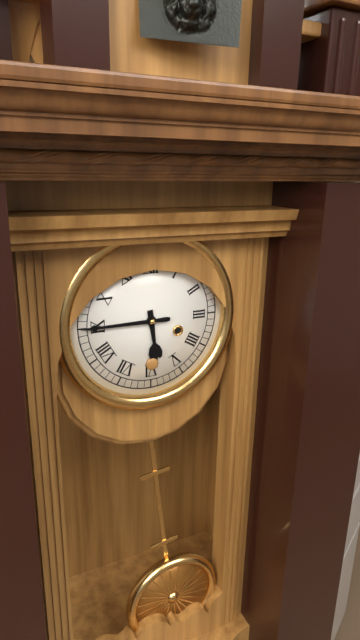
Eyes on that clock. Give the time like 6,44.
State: 5,45
